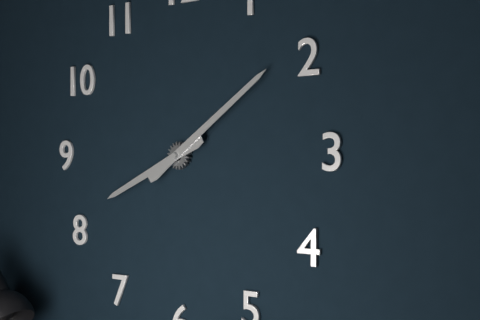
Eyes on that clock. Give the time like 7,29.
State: 8,09
